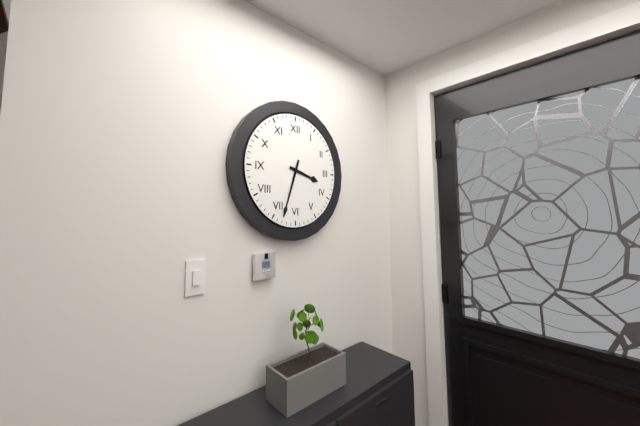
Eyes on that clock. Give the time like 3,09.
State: 3,33
